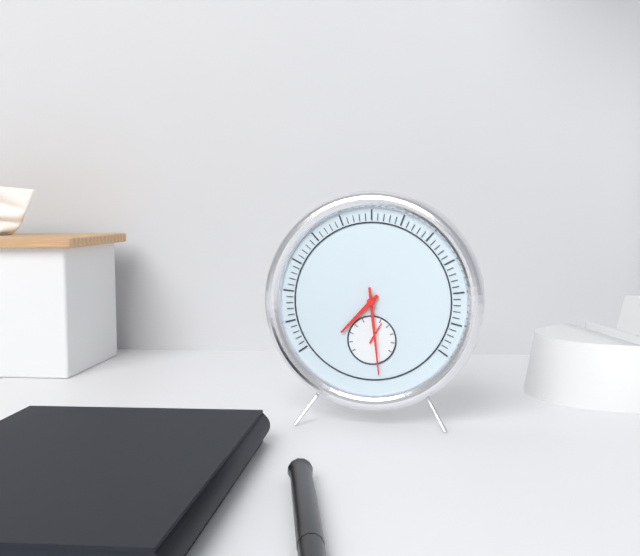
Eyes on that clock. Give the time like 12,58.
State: 7,29
